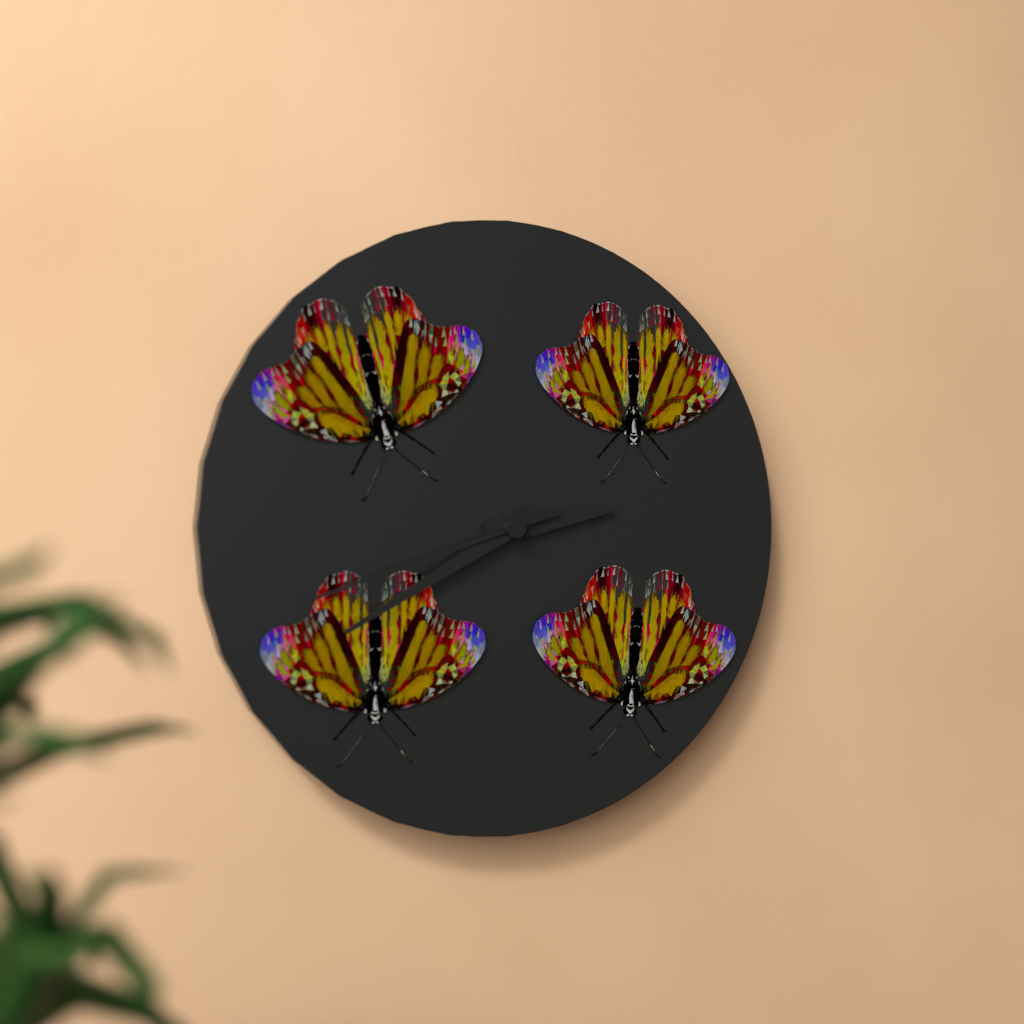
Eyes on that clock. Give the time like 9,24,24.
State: 2,40,42
